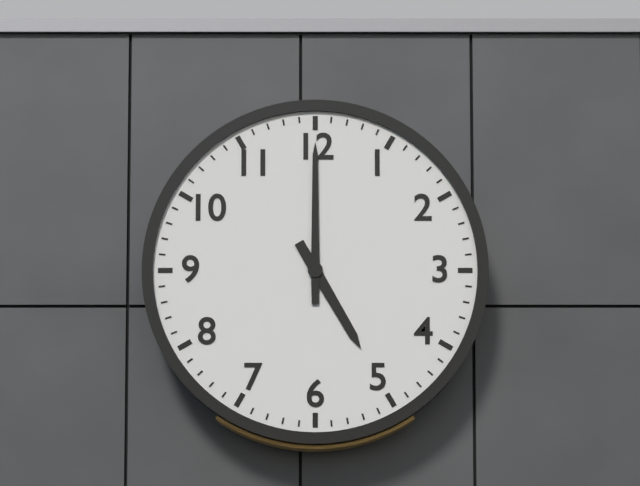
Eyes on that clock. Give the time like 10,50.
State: 5,00
